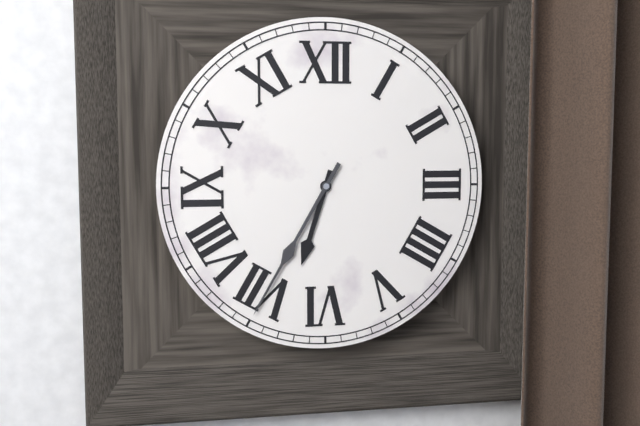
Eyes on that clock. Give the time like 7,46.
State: 6,35
